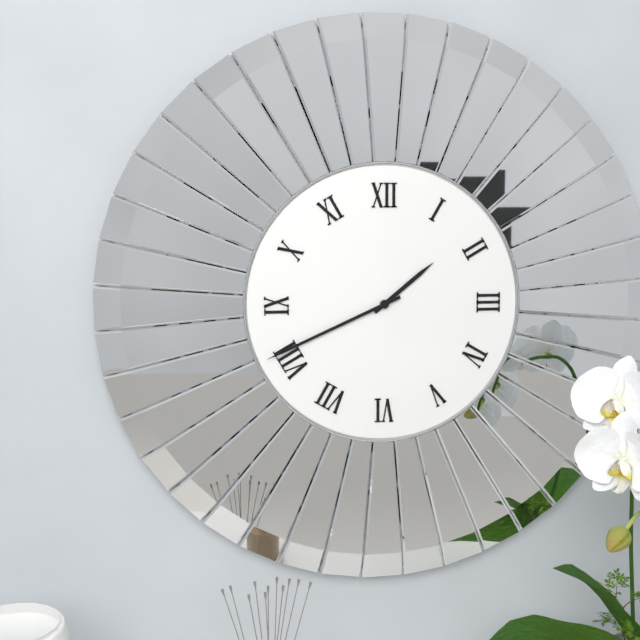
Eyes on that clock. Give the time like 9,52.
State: 1,41
